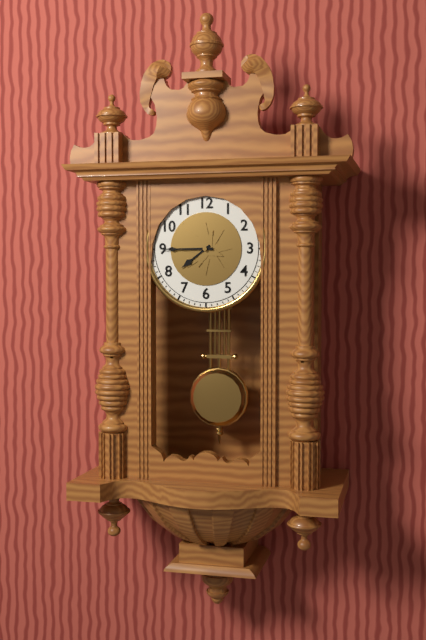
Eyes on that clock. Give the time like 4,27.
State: 7,45
